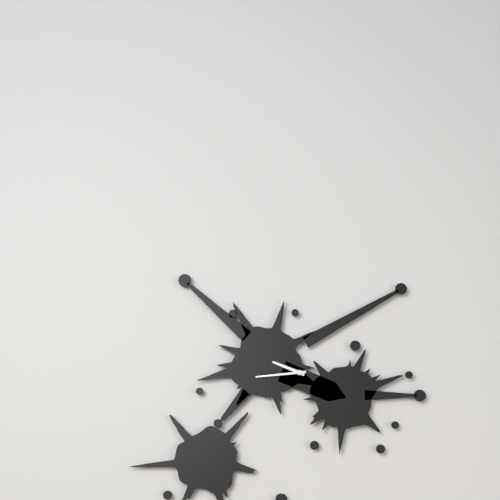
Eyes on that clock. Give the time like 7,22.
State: 9,44
